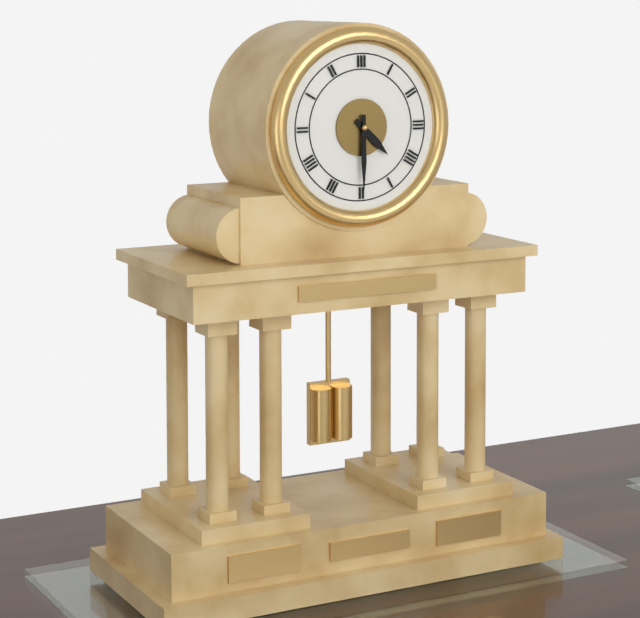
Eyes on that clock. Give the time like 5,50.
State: 4,30
